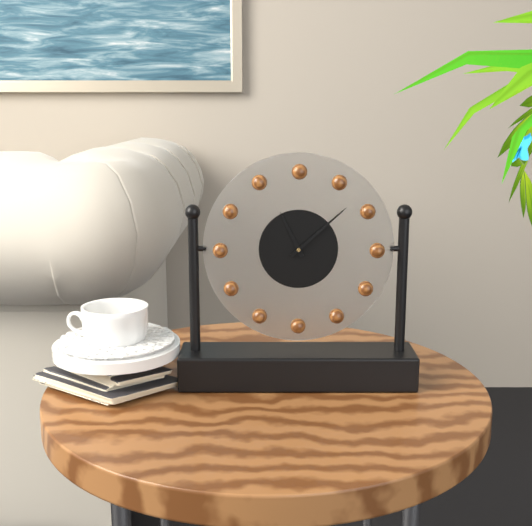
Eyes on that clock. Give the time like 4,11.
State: 11,08
